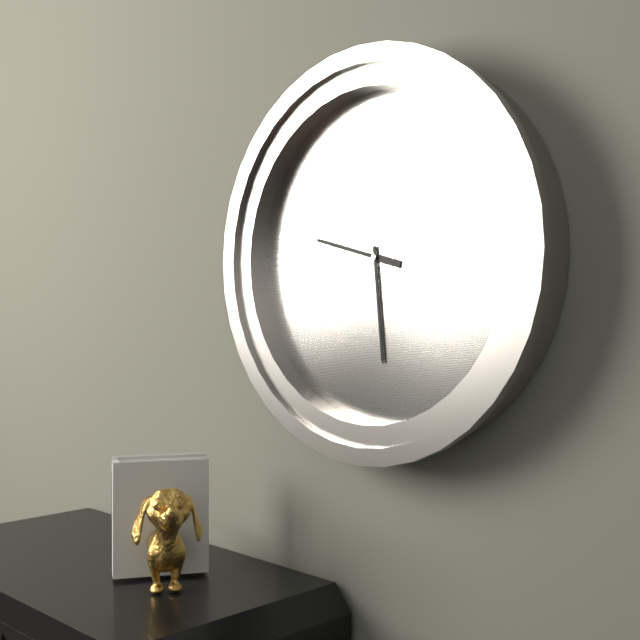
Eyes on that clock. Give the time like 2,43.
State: 9,29
